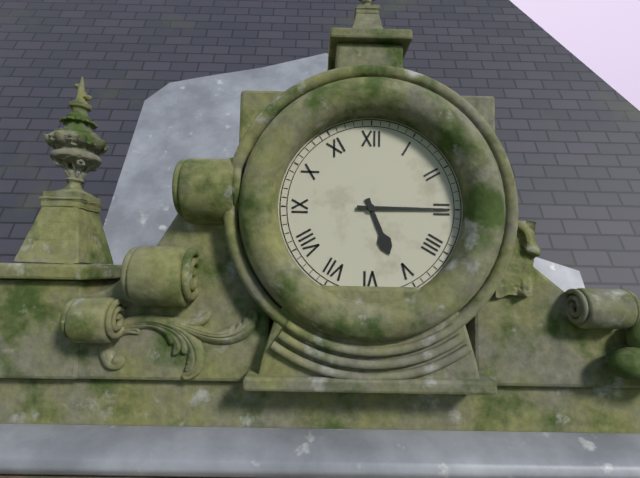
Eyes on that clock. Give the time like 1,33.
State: 5,15
